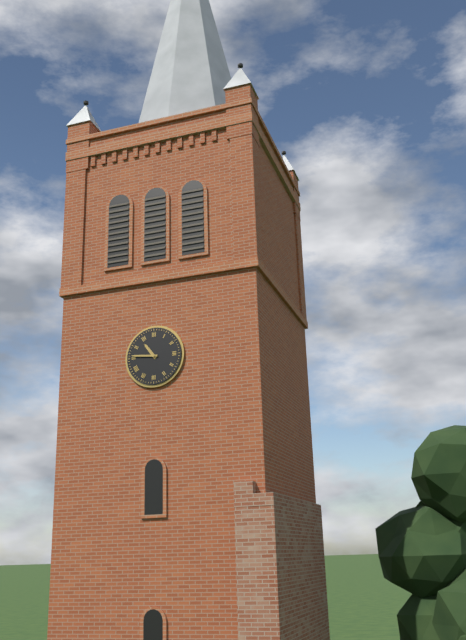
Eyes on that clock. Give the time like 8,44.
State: 10,46
